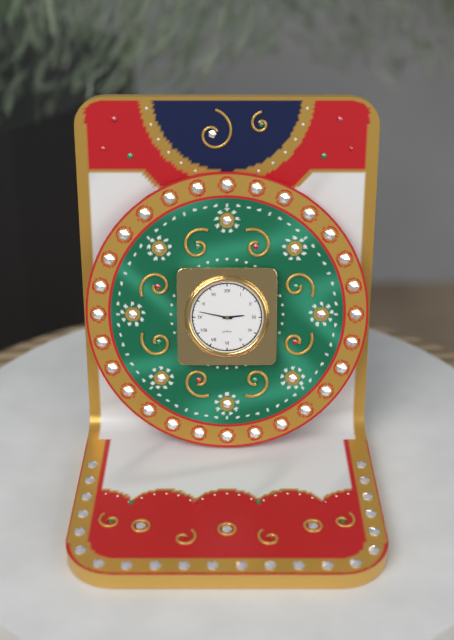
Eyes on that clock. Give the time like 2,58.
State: 2,47
